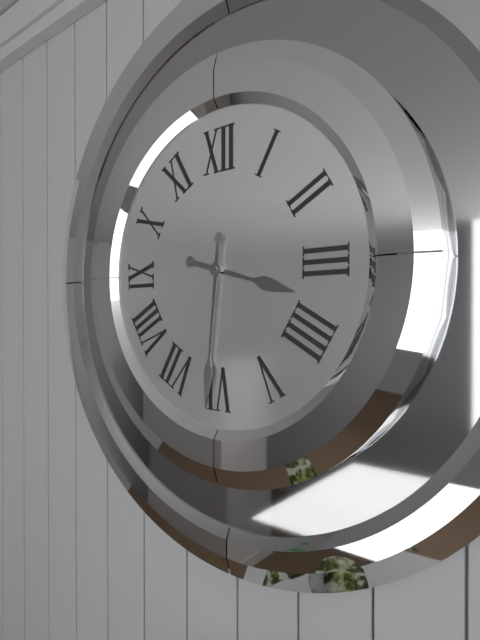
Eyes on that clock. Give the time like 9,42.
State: 3,31
